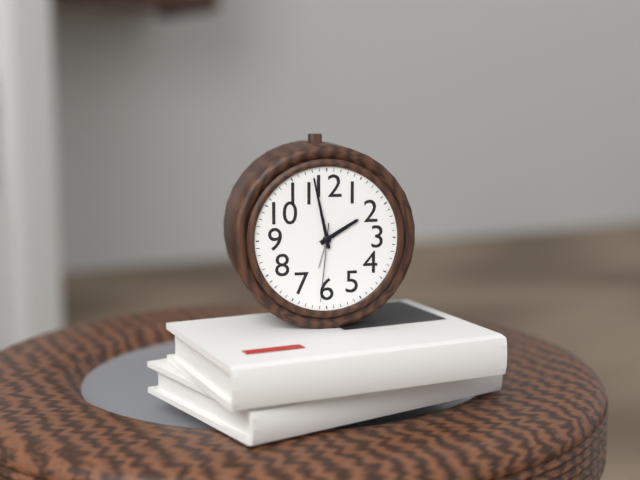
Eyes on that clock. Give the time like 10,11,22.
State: 1,58,31
